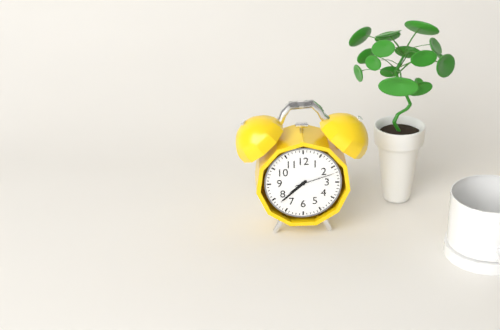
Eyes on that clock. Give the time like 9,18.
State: 7,38
